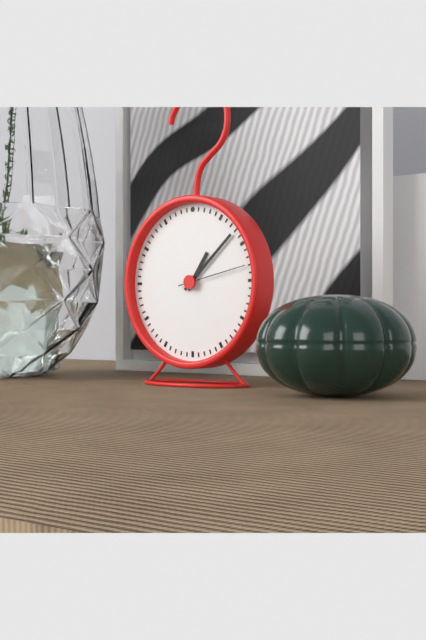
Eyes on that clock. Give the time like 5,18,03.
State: 1,08,13
